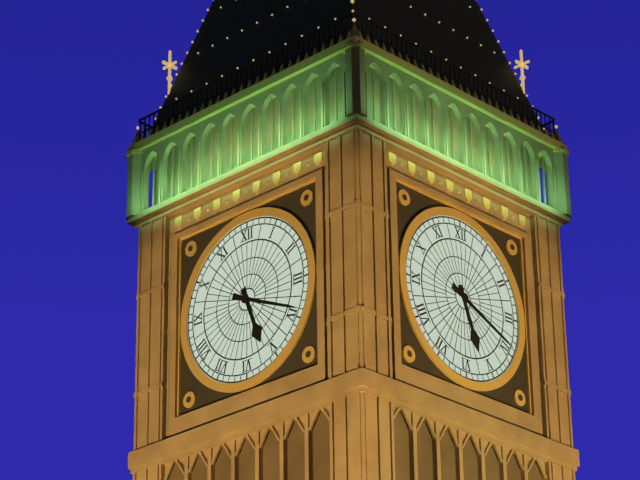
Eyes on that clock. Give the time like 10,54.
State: 5,19
